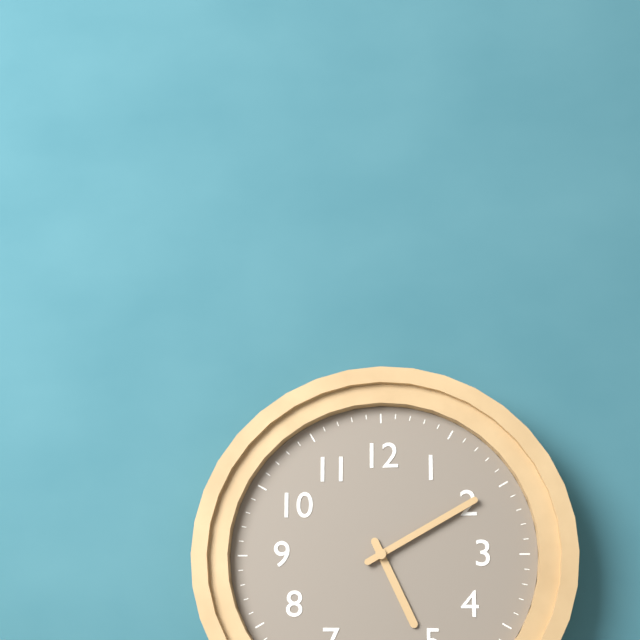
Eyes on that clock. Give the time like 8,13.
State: 5,10
